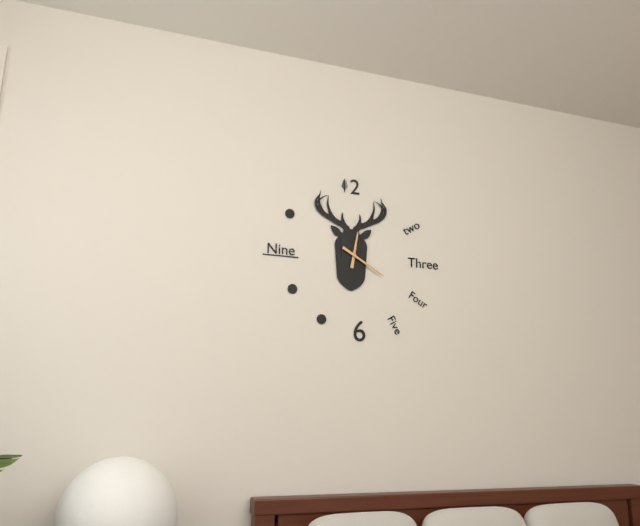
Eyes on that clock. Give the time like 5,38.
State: 12,20
